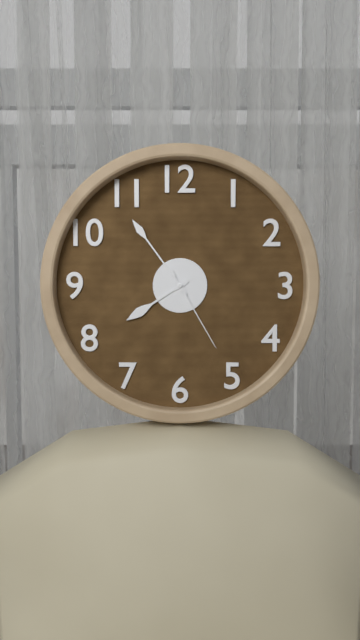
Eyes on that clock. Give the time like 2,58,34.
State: 7,54,25
